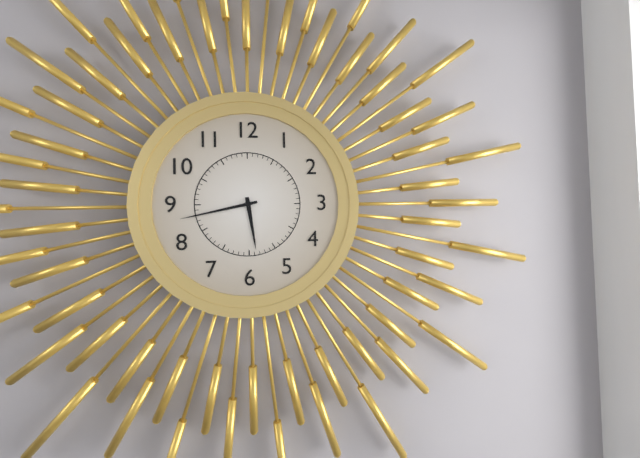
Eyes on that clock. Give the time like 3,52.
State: 5,43
